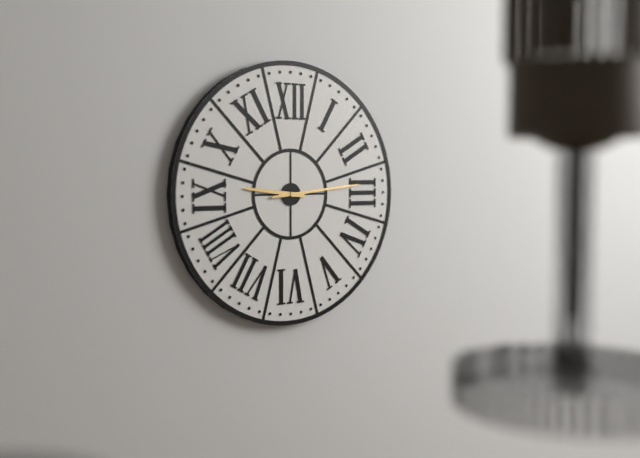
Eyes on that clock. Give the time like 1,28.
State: 9,14
